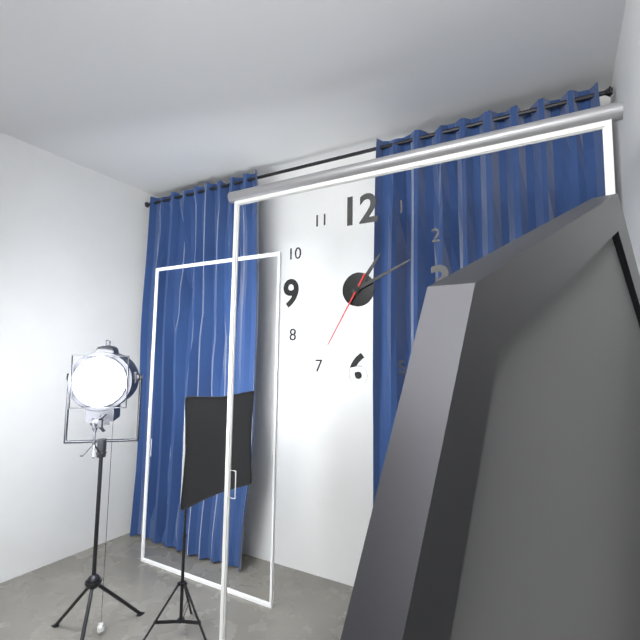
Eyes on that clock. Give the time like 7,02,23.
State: 1,11,35
